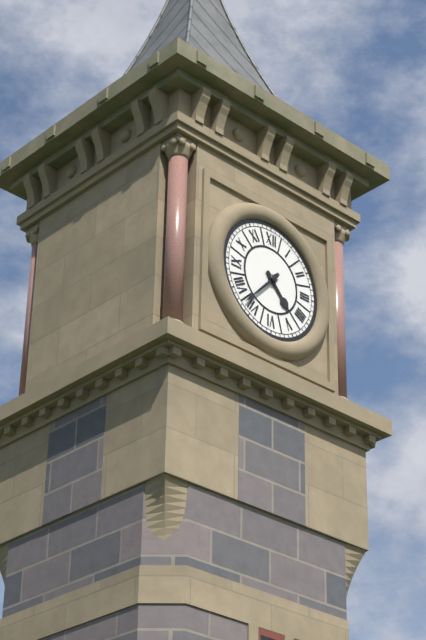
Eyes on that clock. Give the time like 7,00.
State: 4,37
